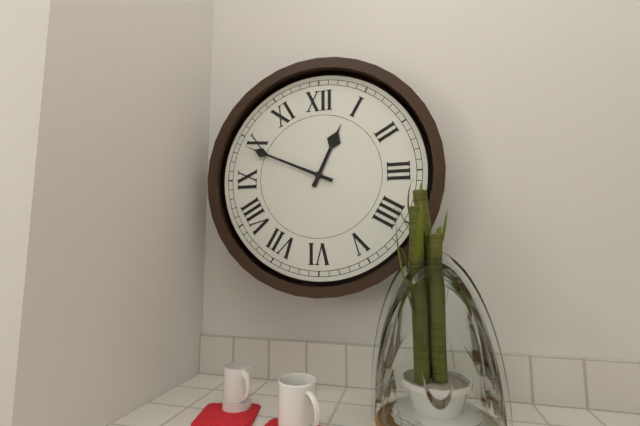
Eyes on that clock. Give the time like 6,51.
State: 12,49
